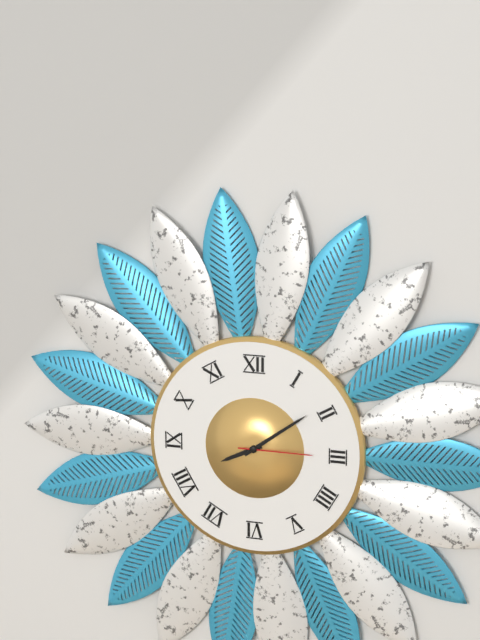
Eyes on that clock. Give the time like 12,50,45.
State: 8,09,15
